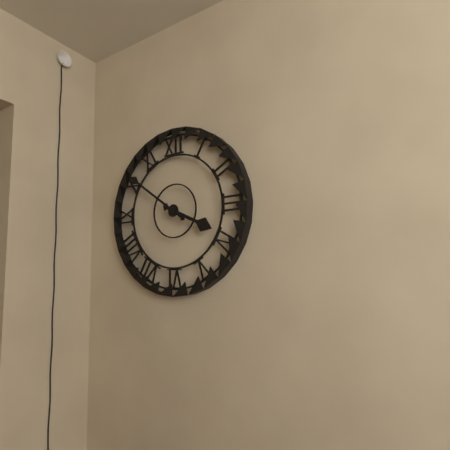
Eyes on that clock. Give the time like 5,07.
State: 3,51
